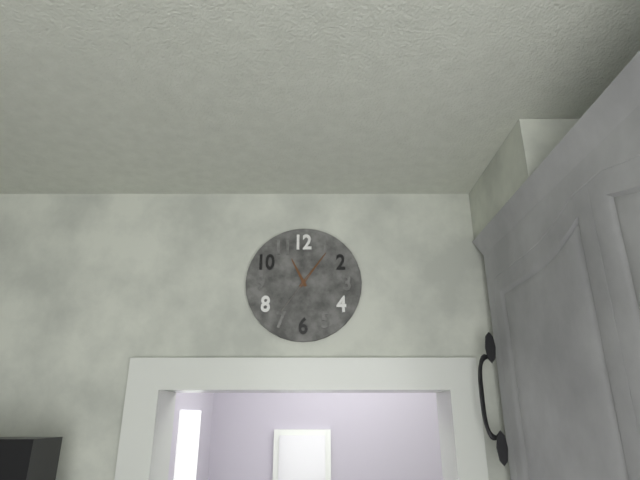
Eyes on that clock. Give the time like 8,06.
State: 11,06
